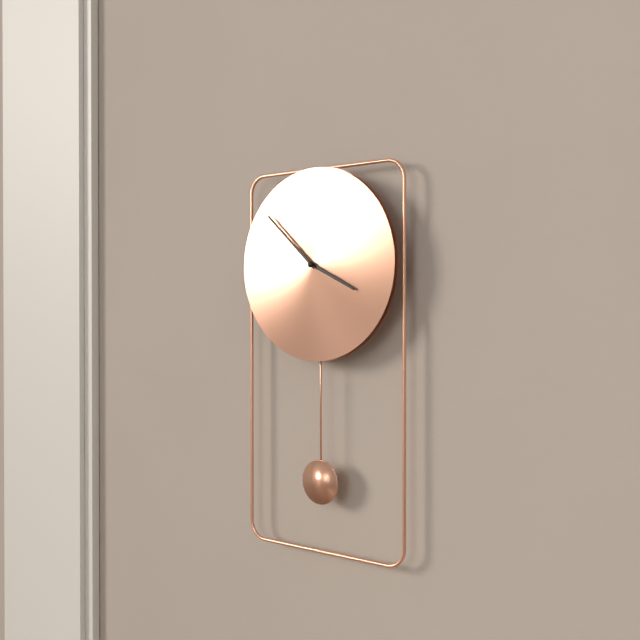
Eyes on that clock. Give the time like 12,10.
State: 3,52
